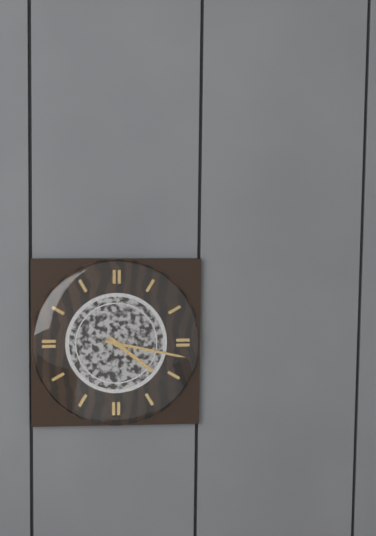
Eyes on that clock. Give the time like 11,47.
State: 4,17
